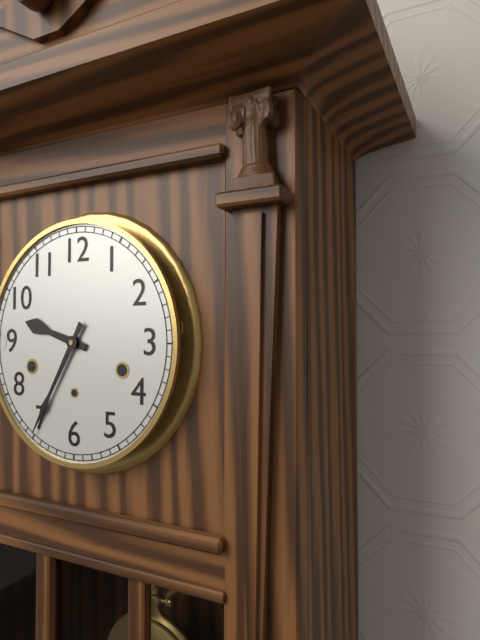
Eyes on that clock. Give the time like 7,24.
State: 9,35
